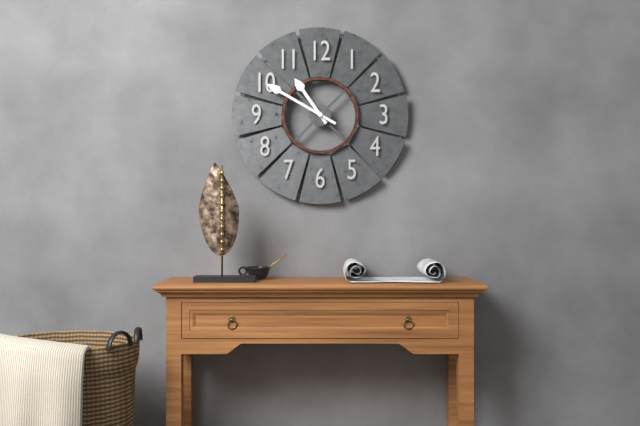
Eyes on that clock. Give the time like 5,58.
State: 10,50
